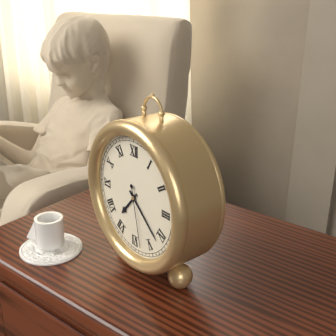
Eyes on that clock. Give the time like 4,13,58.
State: 7,22,28
